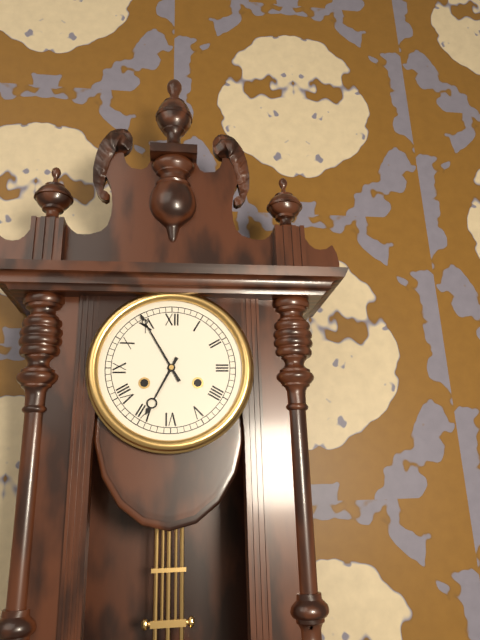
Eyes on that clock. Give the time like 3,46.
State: 6,55
